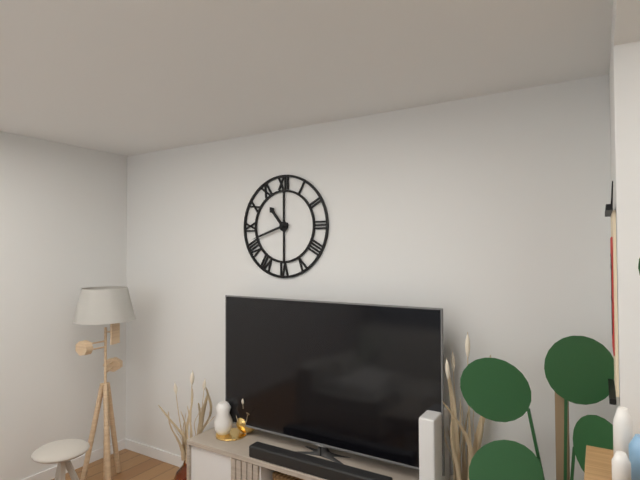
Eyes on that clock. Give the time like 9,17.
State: 10,42
